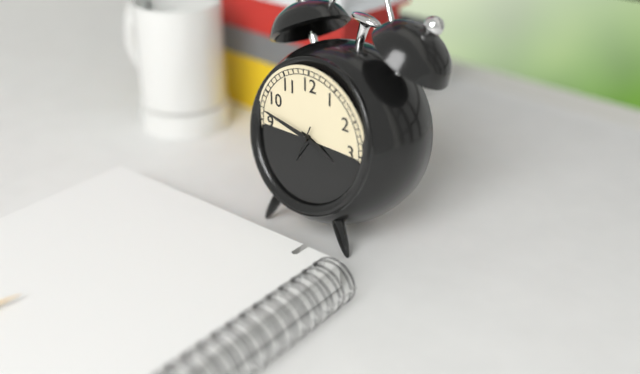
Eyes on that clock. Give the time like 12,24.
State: 3,47
